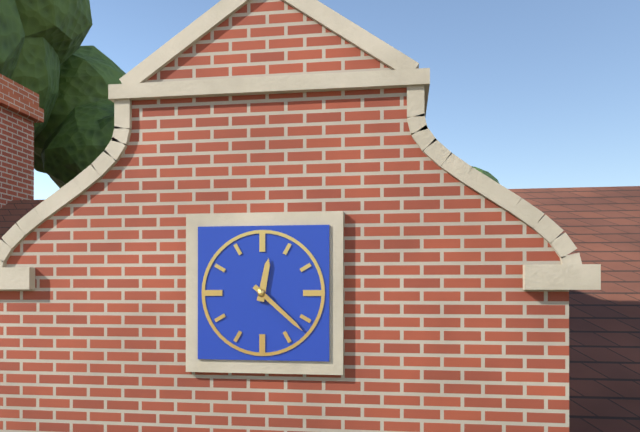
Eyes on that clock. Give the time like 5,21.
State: 12,22
